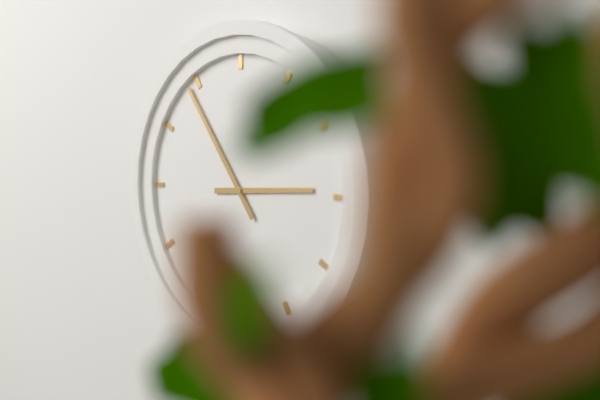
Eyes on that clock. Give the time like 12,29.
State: 2,54
